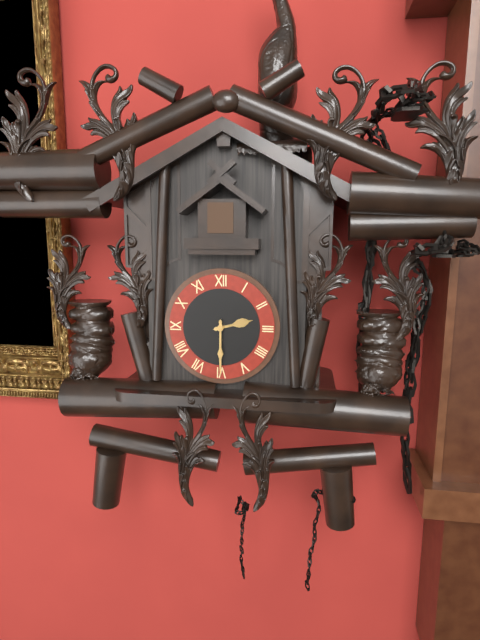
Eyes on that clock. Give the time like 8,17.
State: 2,30
